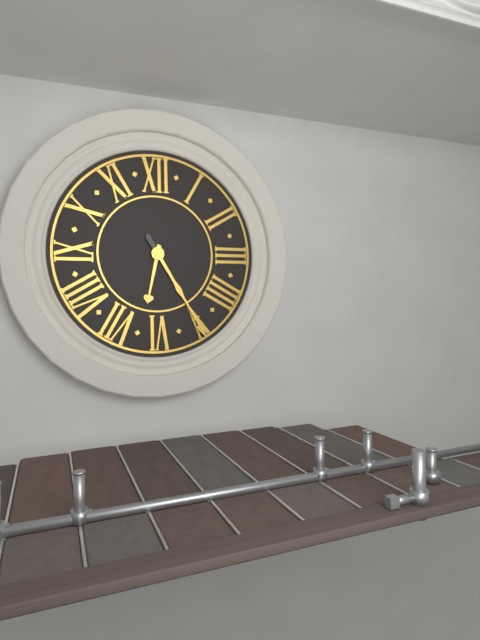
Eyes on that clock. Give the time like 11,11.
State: 6,25
